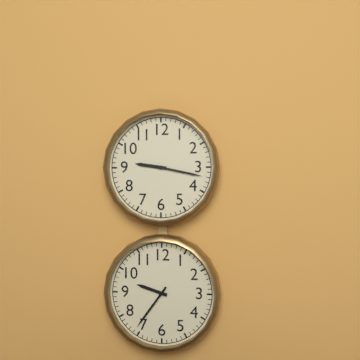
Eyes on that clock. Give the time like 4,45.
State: 9,17
